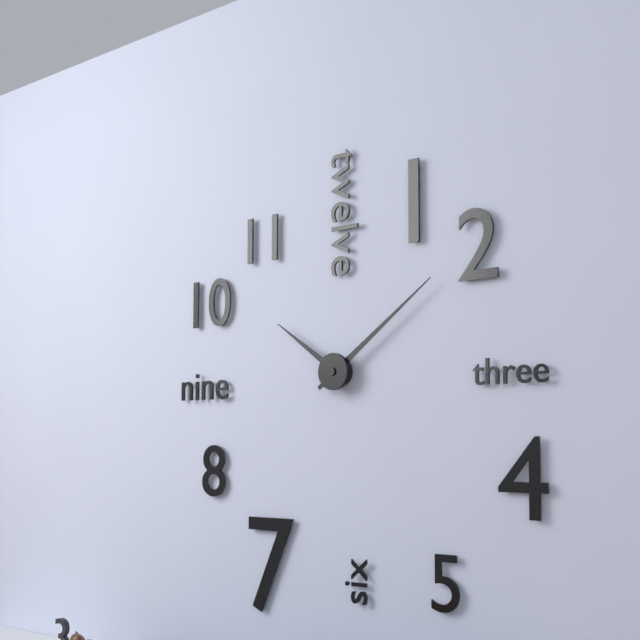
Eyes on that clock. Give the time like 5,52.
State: 10,09
